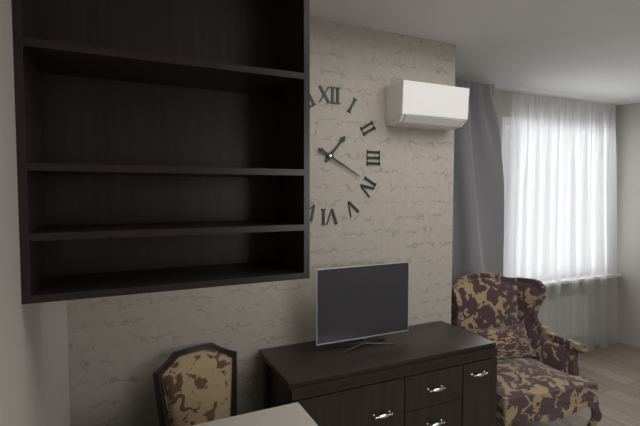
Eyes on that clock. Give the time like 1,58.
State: 1,20
